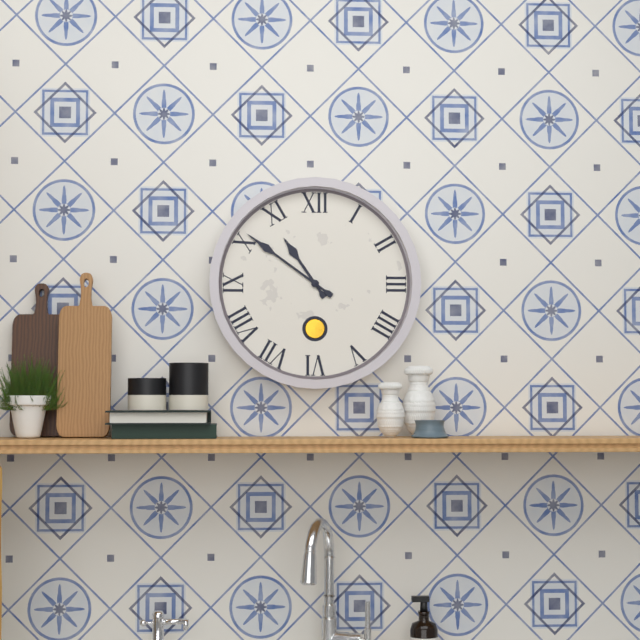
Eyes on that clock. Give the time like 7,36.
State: 10,51
